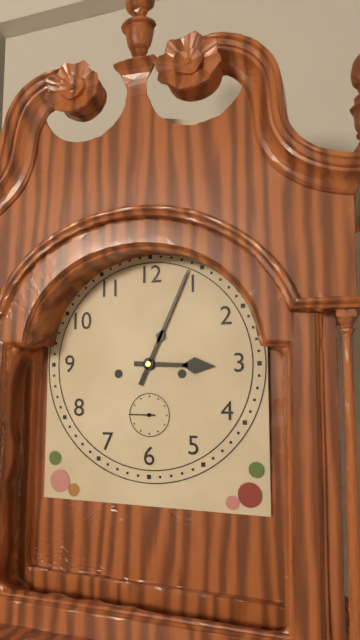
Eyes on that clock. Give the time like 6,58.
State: 3,04
